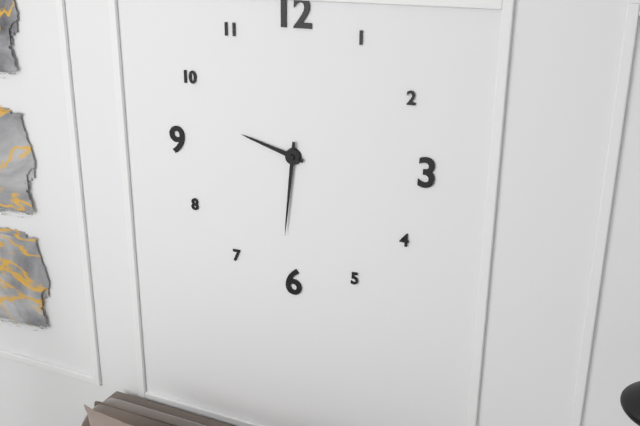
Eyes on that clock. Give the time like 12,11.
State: 9,31
